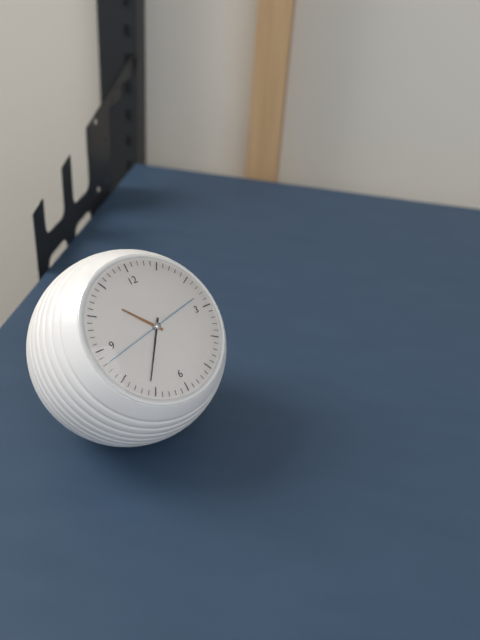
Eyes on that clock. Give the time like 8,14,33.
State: 10,36,43
